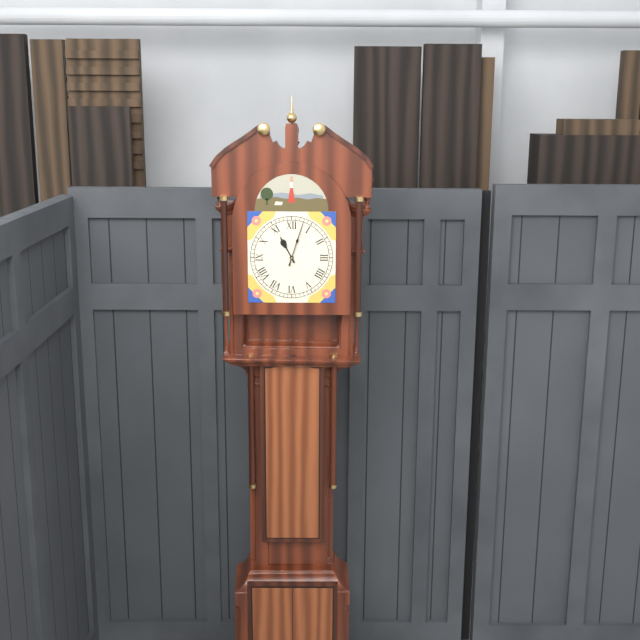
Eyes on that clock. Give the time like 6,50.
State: 11,03
